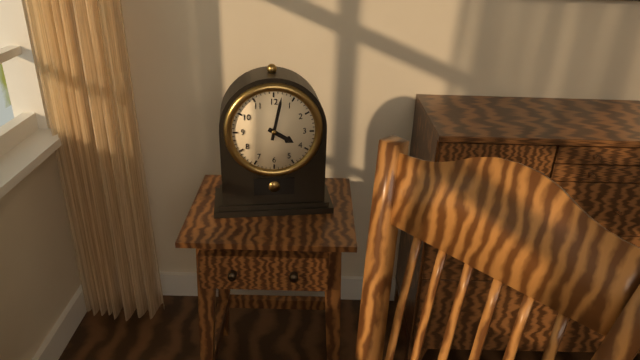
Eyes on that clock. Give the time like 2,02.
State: 4,02
